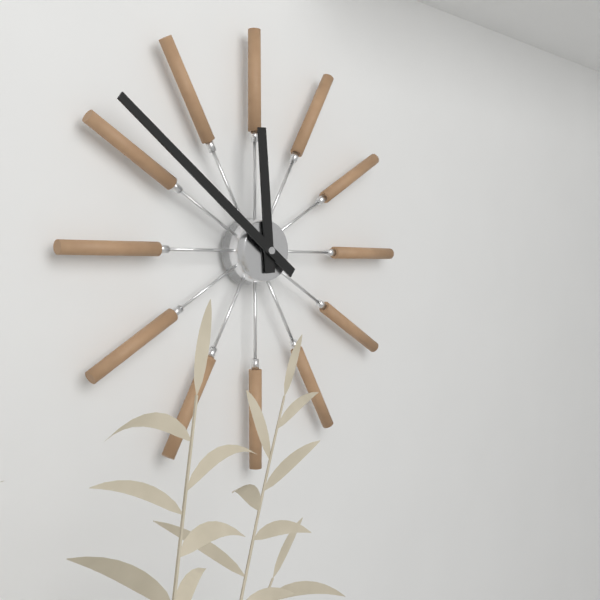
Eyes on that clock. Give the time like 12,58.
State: 11,51
